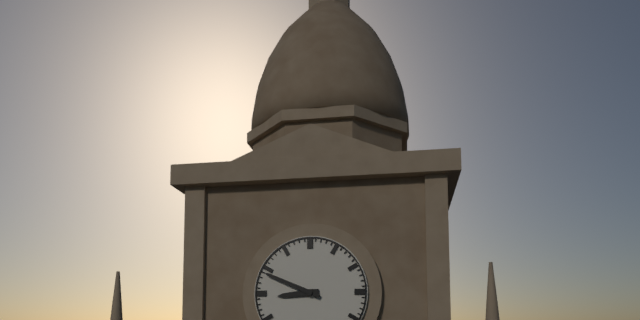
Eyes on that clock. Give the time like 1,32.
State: 8,49
